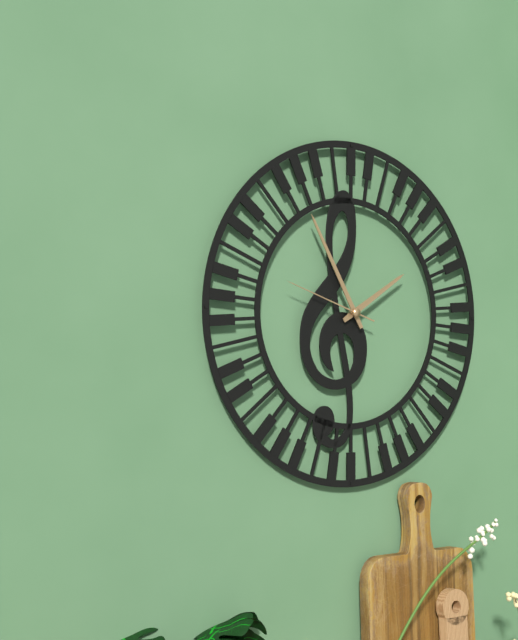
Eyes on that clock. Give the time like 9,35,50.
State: 1,55,48
